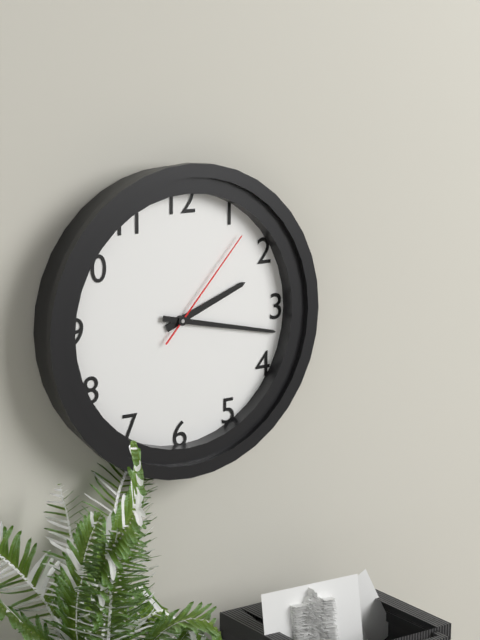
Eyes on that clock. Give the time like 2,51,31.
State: 2,17,07
